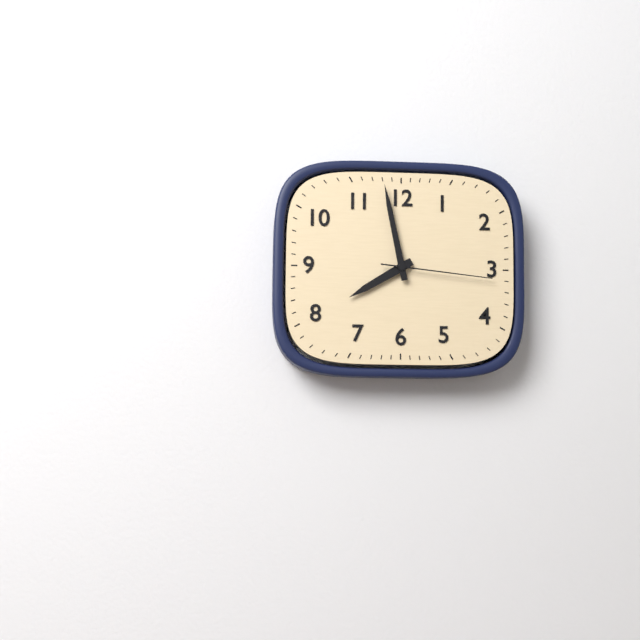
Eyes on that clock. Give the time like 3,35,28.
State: 7,58,16
